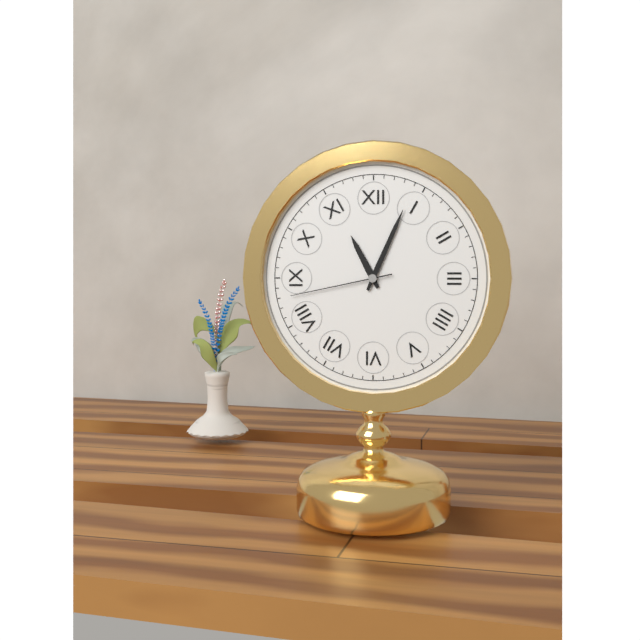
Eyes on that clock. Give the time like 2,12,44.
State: 11,04,43
